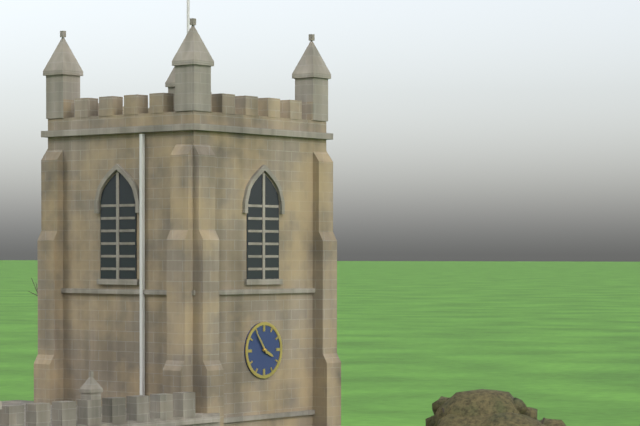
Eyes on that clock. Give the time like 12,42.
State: 3,54
